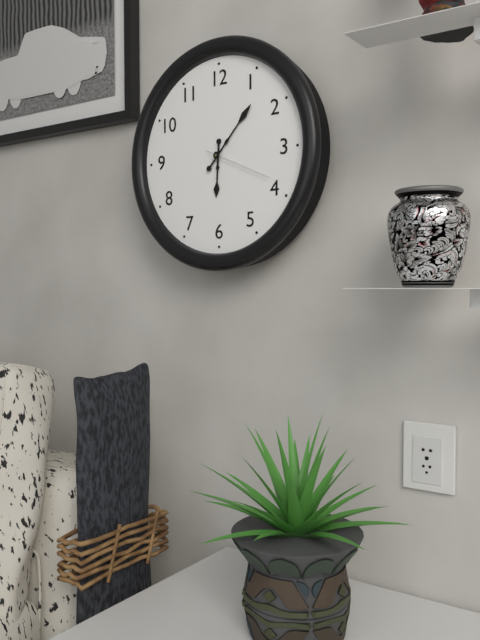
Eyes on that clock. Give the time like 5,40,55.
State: 6,07,19
